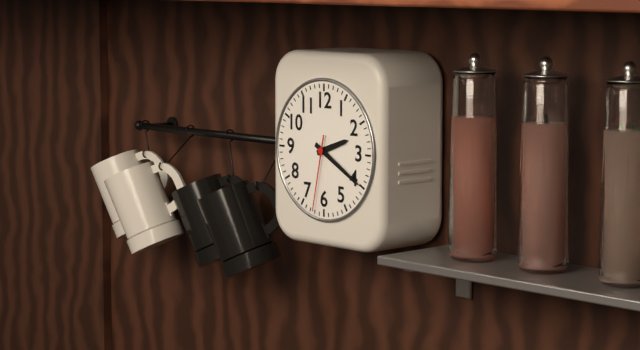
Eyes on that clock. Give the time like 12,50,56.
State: 2,20,32
